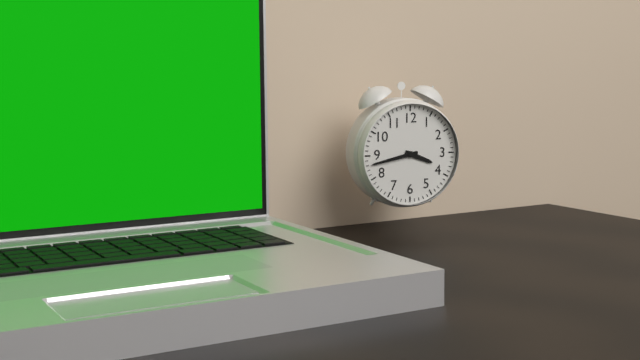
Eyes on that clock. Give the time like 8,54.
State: 3,43
